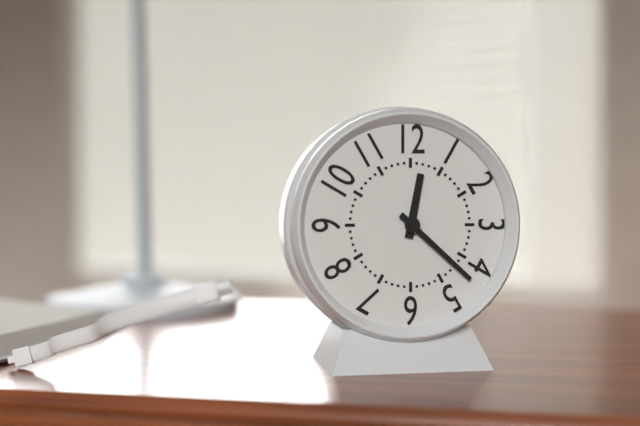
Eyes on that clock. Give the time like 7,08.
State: 12,22
